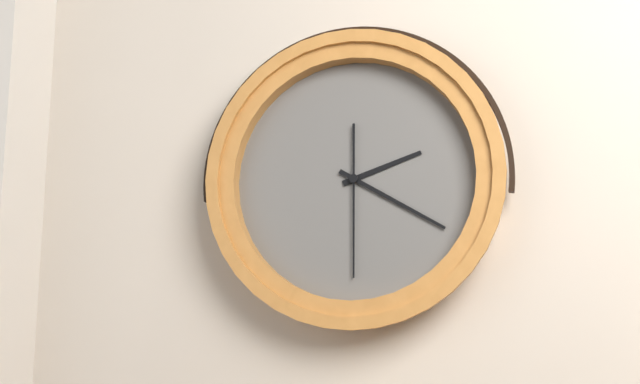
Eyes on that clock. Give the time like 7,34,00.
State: 2,20,30
